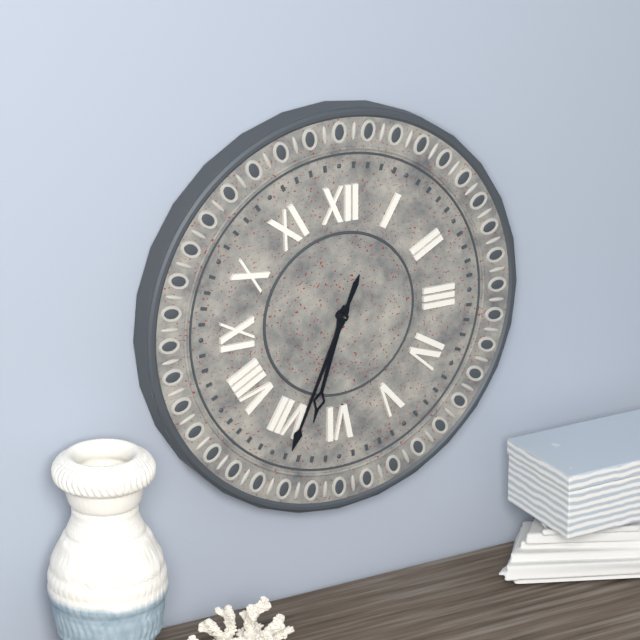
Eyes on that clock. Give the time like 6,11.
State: 6,34
